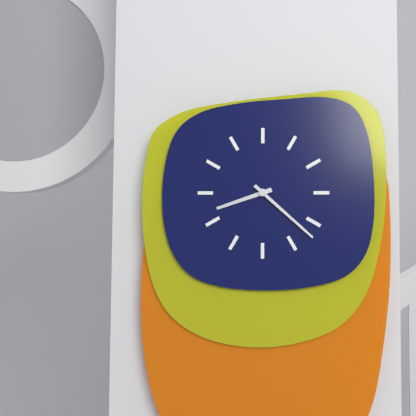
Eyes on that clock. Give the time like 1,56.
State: 8,22
